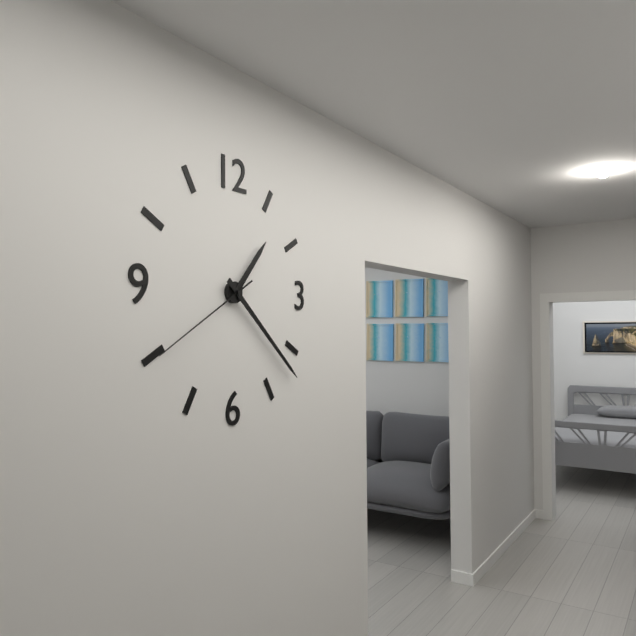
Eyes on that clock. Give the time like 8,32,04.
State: 1,22,40
